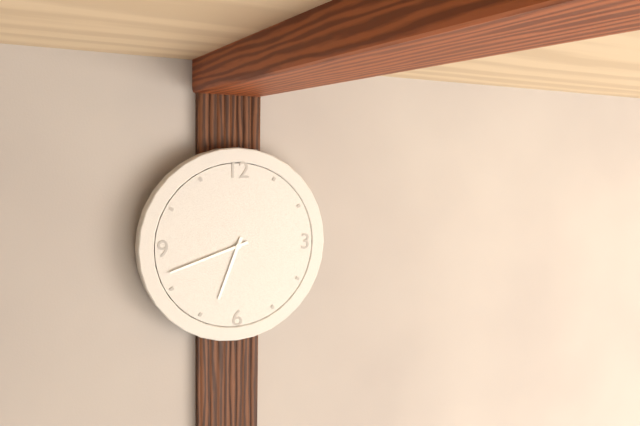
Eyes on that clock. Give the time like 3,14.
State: 6,42
